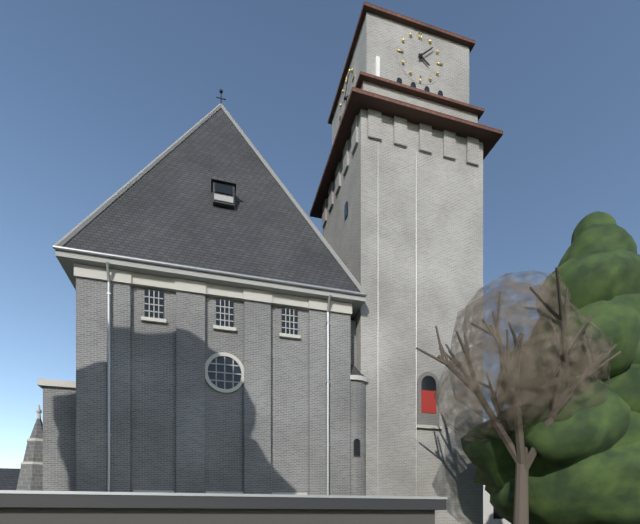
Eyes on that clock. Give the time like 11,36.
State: 4,08
